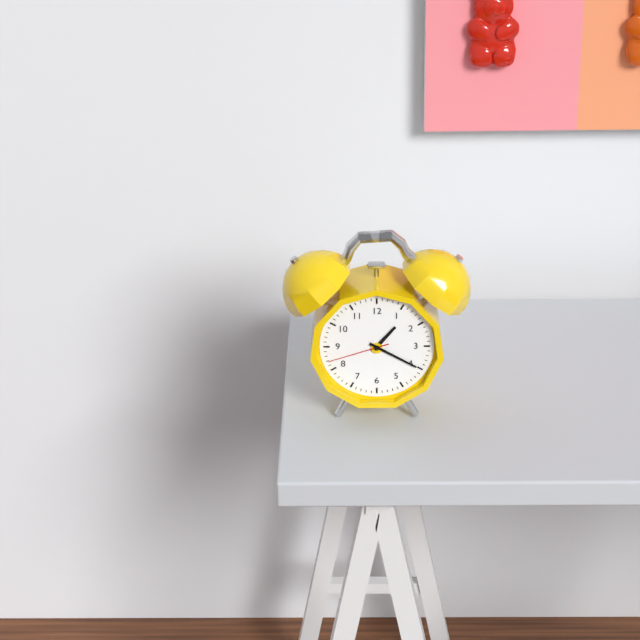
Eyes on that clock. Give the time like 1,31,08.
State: 1,20,42
